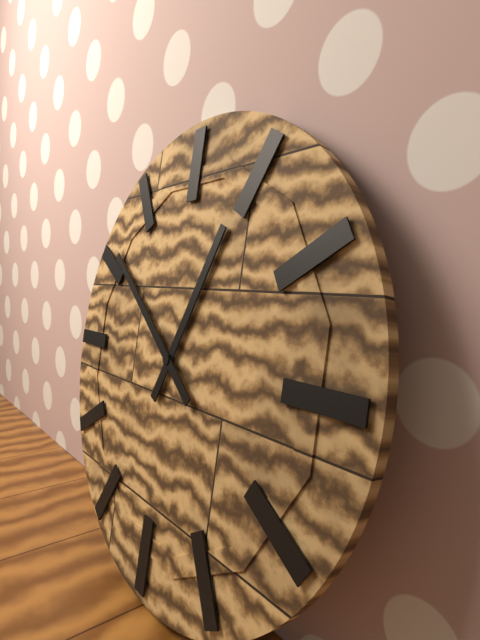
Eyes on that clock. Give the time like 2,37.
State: 12,51
